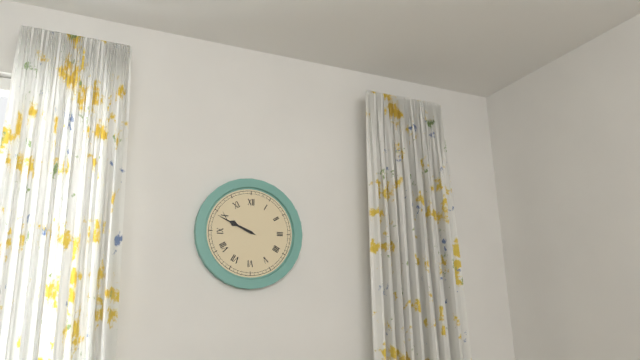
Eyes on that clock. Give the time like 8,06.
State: 9,49
